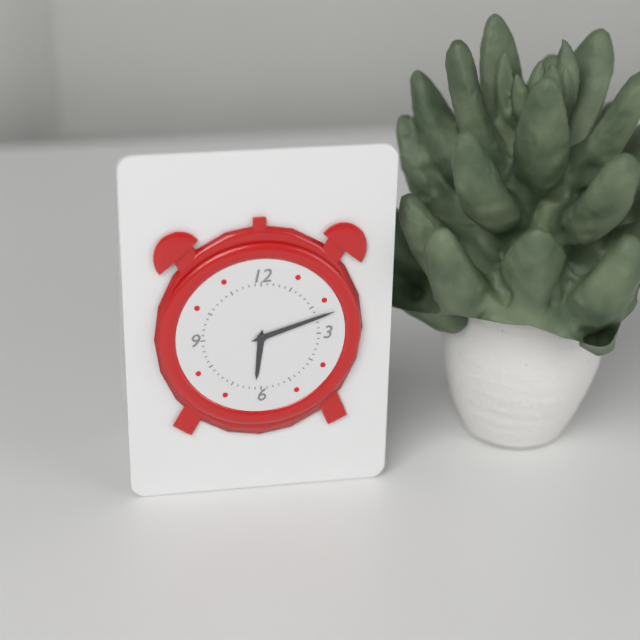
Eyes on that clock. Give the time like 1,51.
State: 6,12
